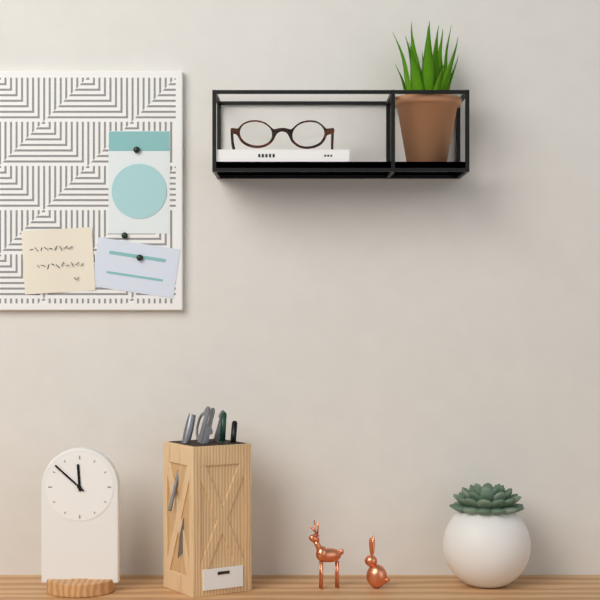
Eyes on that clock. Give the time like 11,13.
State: 11,52
